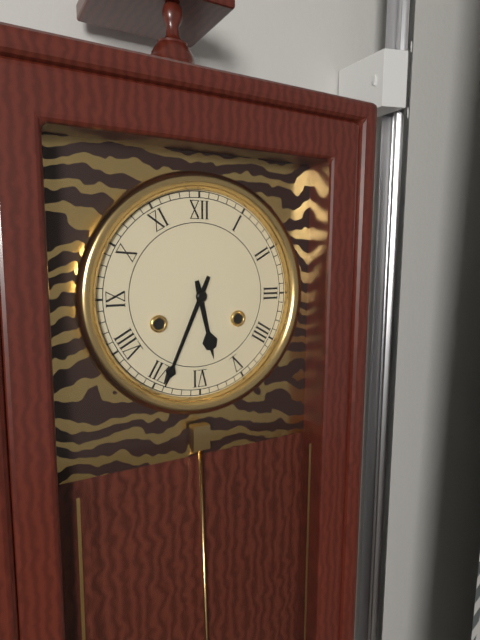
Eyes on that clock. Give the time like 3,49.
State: 5,34
